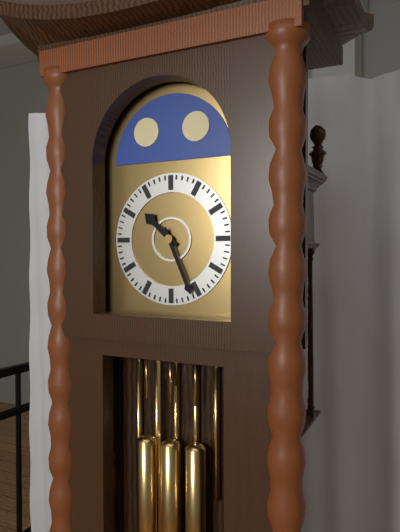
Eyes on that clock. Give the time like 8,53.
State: 10,26
